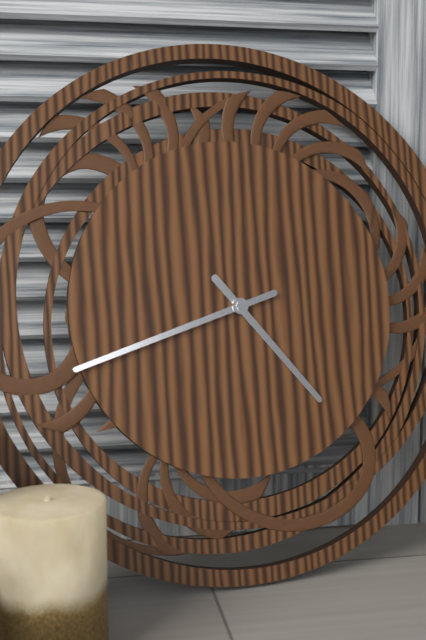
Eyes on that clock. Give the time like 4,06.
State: 4,42
